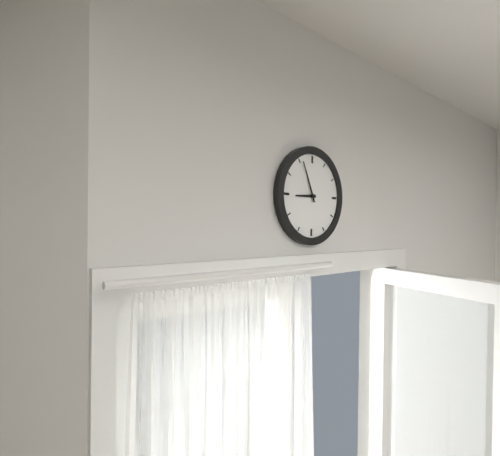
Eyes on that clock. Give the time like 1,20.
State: 8,56
